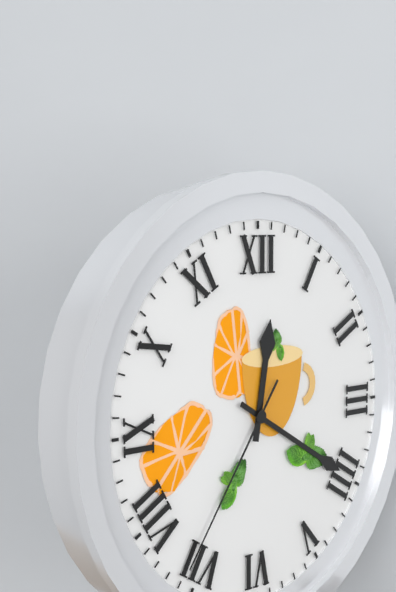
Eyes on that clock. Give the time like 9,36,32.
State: 12,20,36
